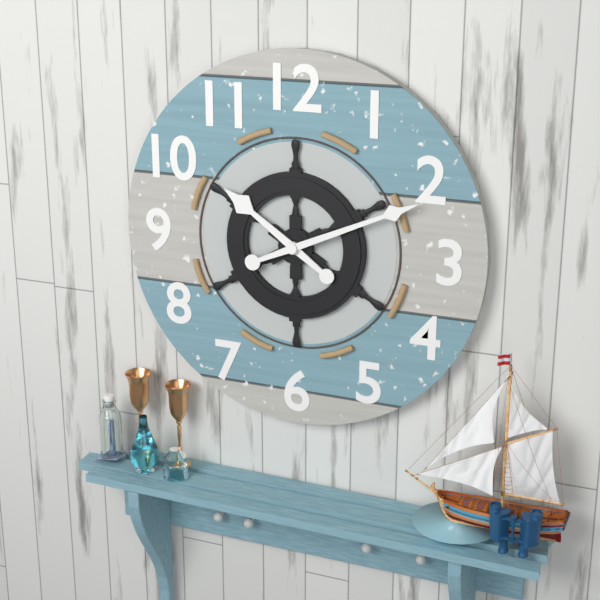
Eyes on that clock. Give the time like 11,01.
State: 10,11
